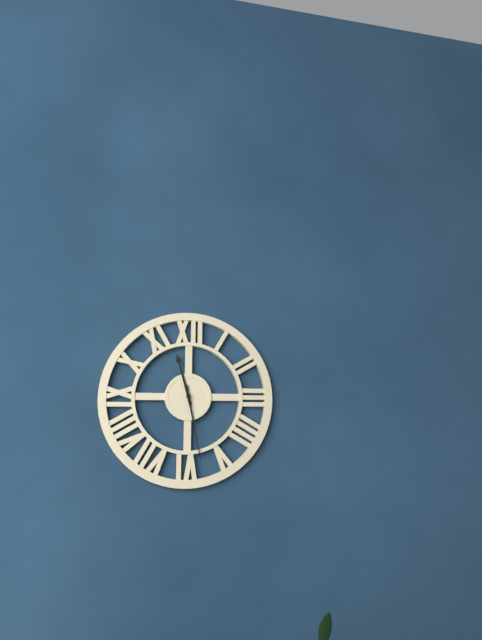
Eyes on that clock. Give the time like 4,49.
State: 11,28
